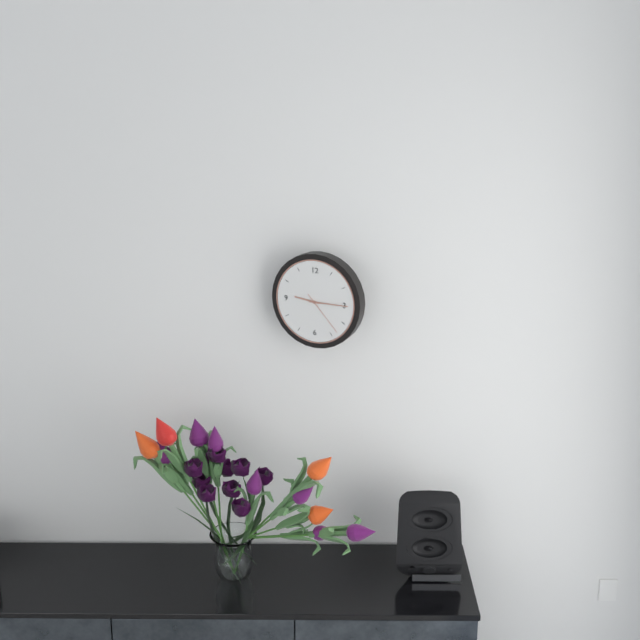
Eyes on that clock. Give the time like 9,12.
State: 9,15
